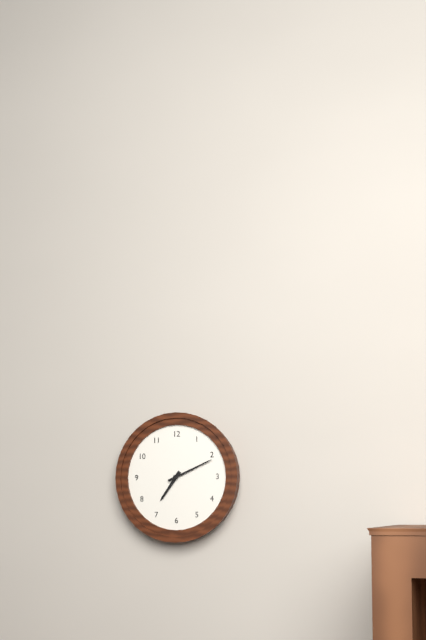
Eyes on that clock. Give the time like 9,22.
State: 7,11
